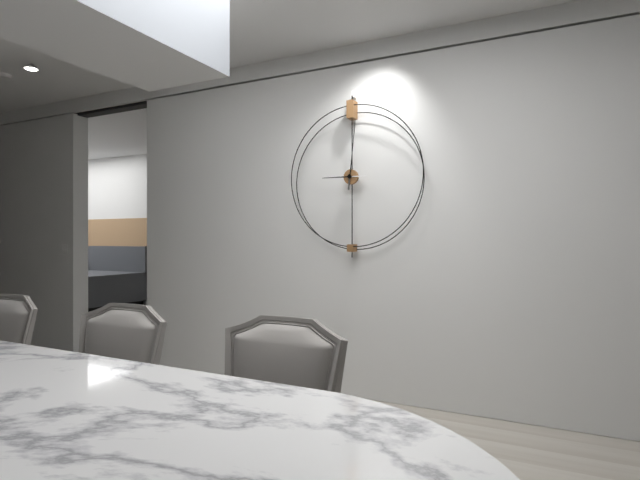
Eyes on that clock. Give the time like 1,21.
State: 9,01
